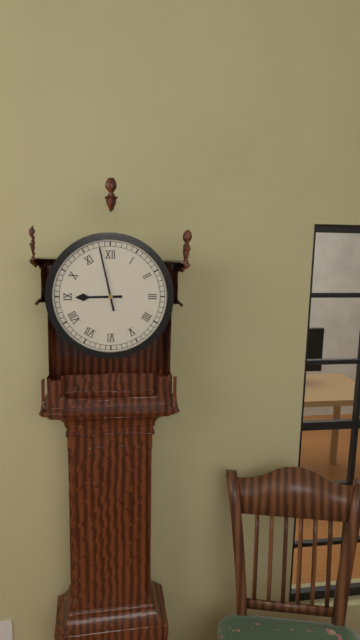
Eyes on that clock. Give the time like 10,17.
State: 8,58
